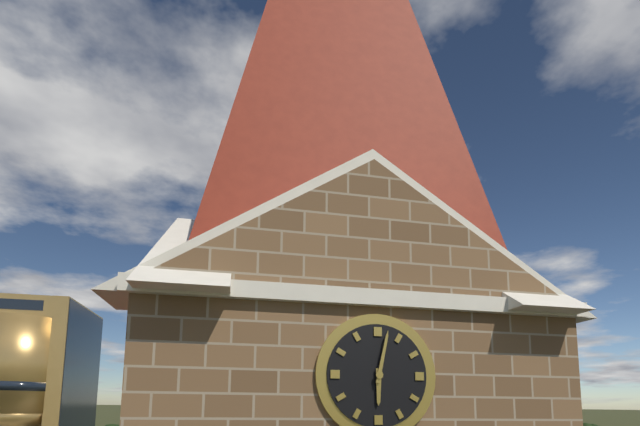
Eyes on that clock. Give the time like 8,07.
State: 6,02
